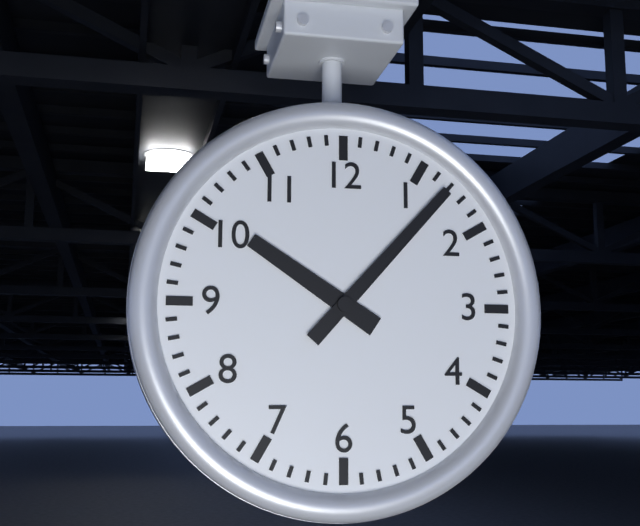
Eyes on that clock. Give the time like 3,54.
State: 10,07
